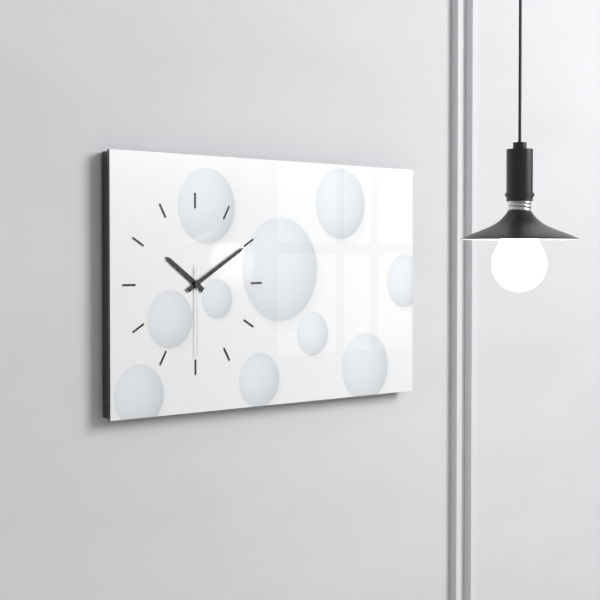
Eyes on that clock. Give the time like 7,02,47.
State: 10,10,30
